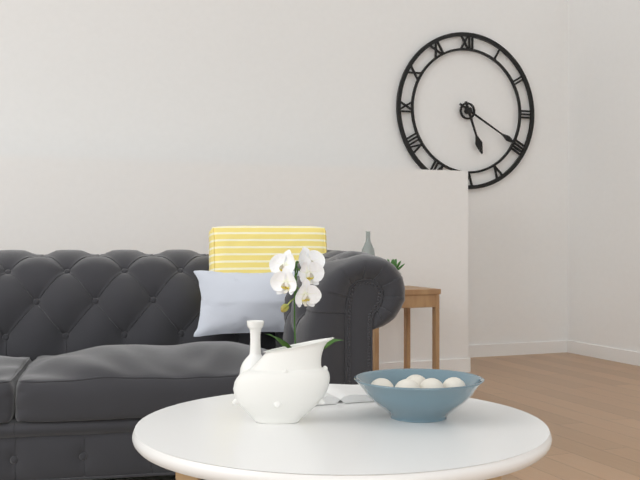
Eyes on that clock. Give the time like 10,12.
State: 5,20
